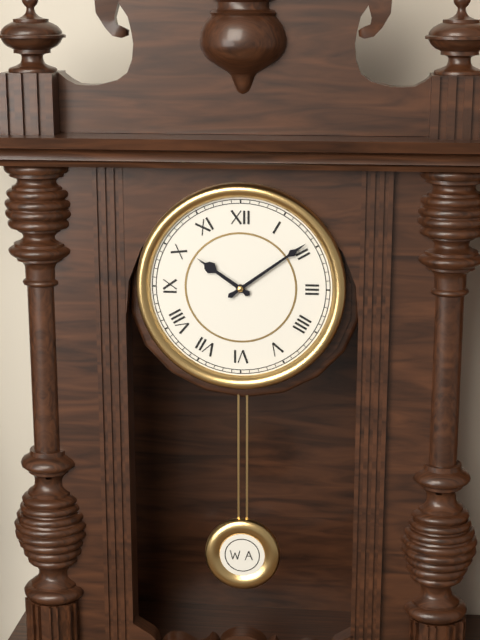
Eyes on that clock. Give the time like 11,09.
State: 10,09
